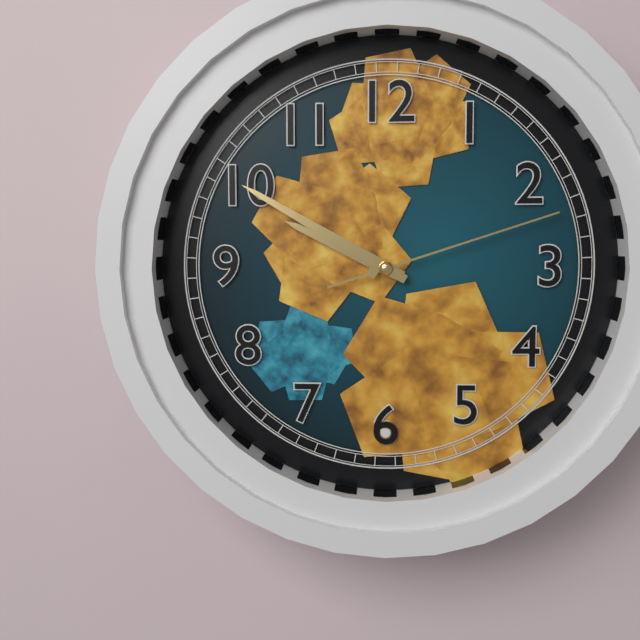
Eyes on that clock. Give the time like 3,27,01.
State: 9,50,12
